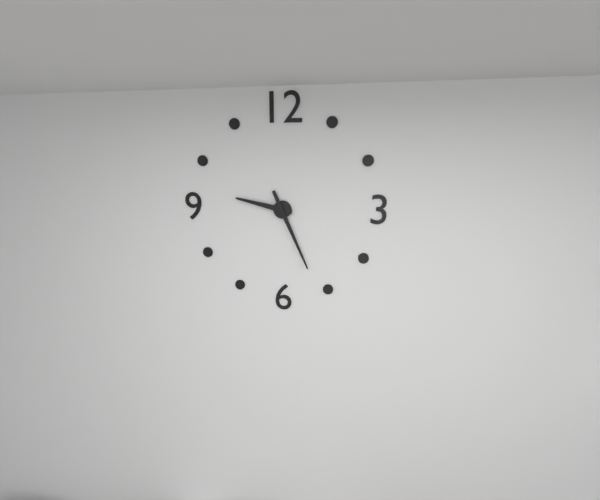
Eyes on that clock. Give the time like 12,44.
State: 9,26
